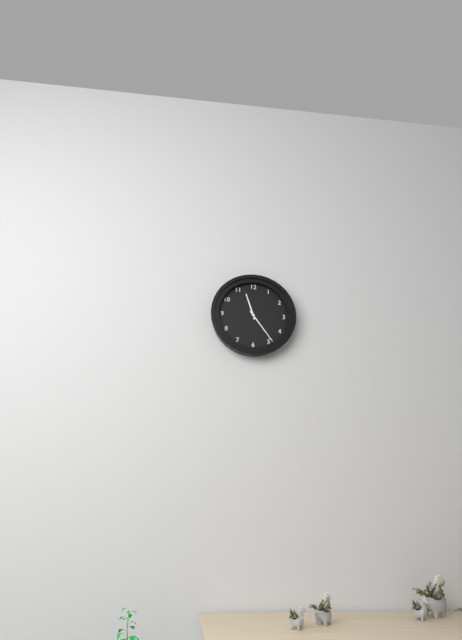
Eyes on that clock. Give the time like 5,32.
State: 11,24
